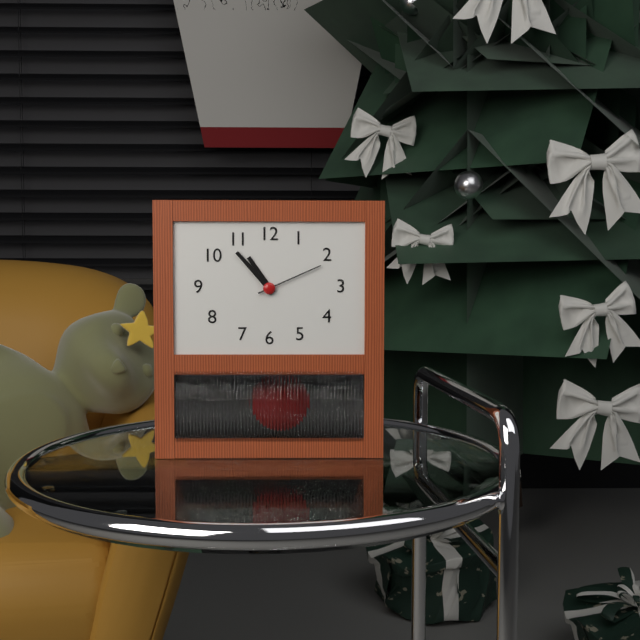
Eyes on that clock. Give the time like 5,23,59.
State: 10,53,11
